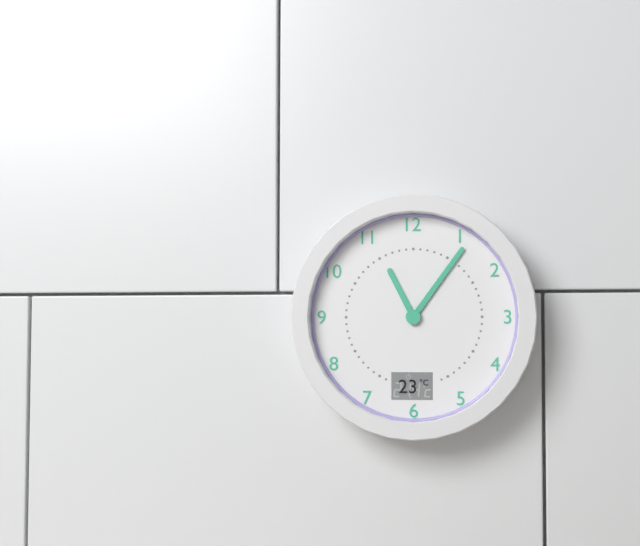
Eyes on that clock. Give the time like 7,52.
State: 11,06
